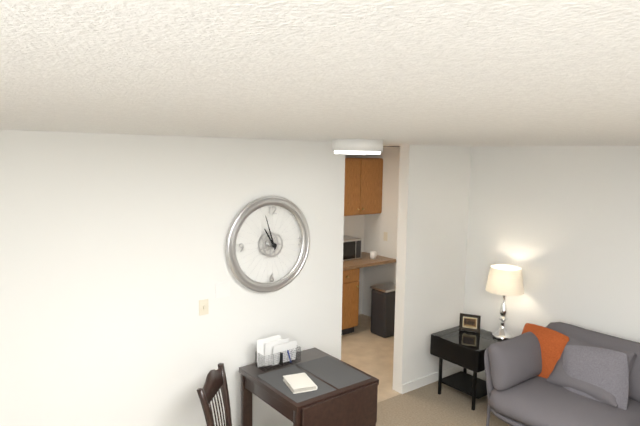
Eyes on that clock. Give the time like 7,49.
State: 10,57
